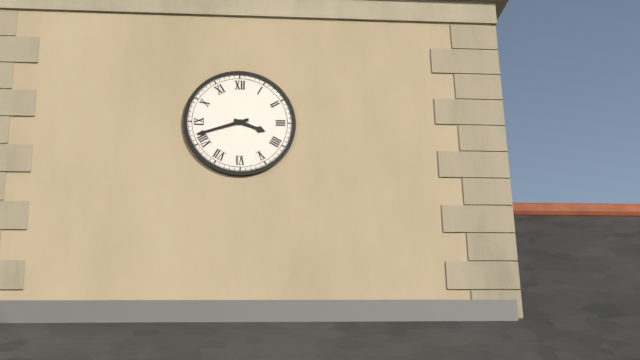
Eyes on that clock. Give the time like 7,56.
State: 3,42
